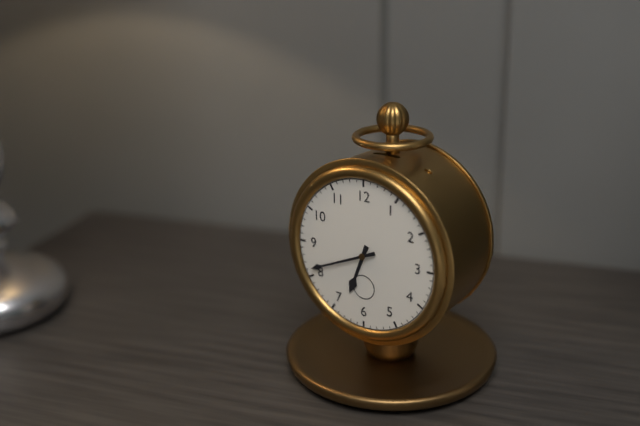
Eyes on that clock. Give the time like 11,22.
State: 6,41
